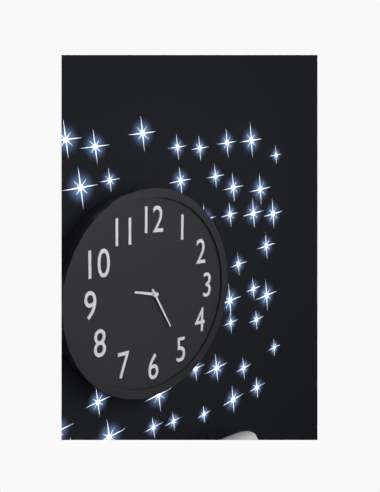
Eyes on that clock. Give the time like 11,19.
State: 9,25
